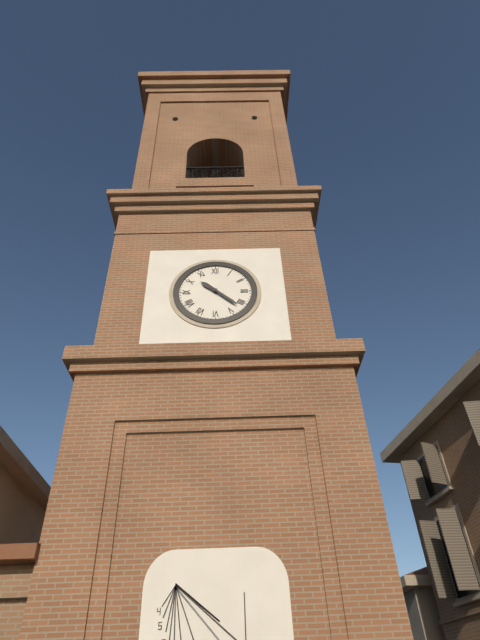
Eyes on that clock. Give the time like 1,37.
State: 10,22
